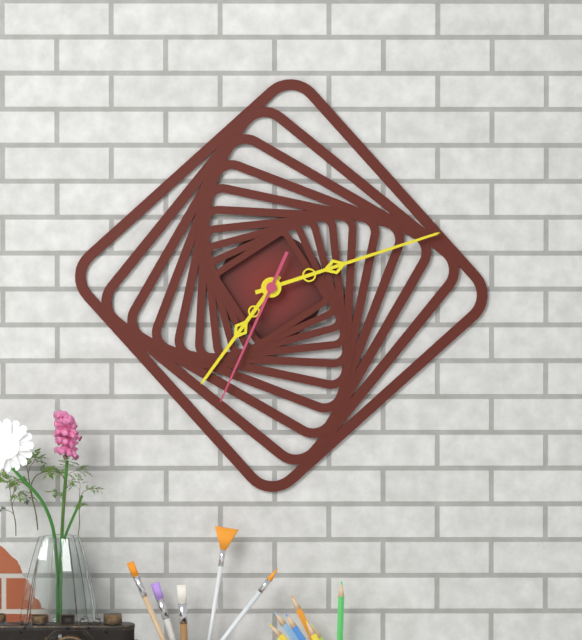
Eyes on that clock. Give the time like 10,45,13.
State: 7,12,34
